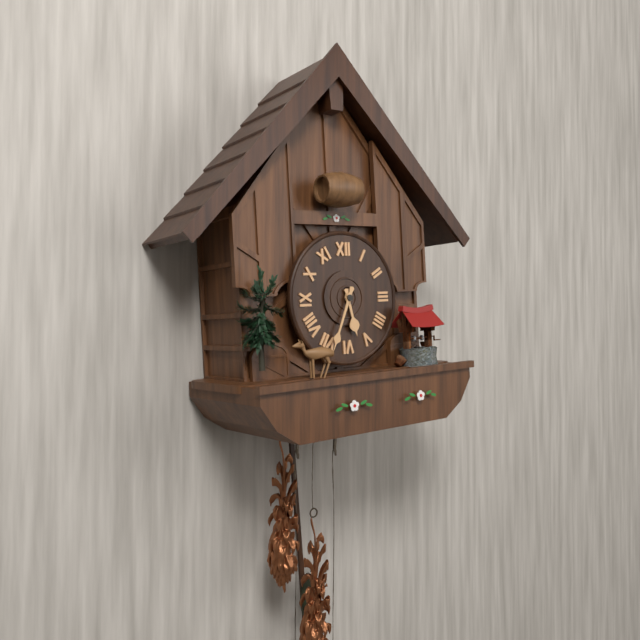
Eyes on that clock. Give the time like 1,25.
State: 5,34
